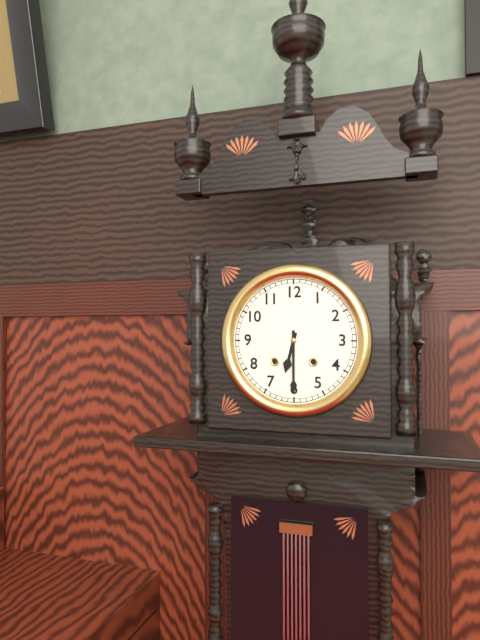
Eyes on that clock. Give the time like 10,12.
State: 6,30
